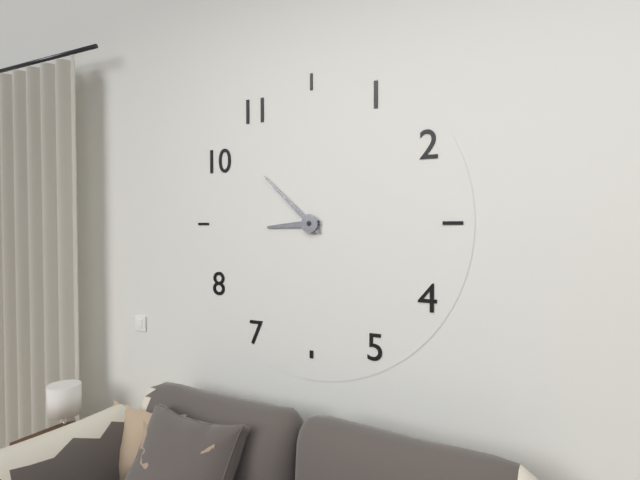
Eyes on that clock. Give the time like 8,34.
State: 8,52
